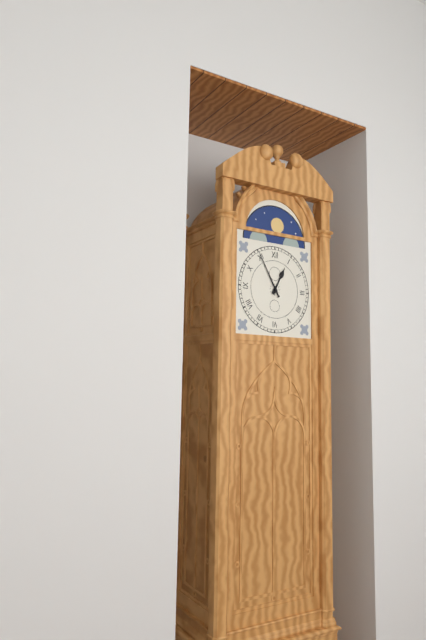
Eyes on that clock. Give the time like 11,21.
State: 12,55
